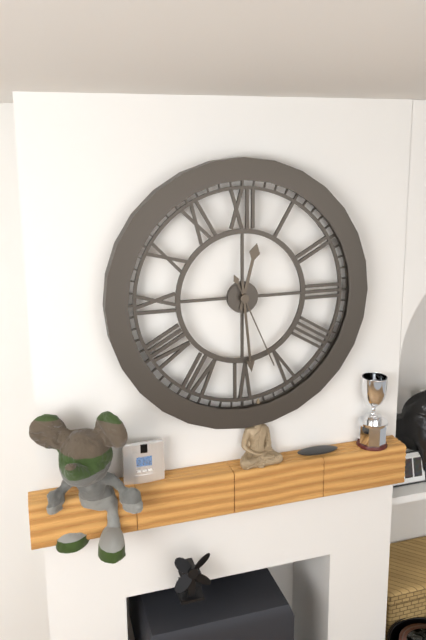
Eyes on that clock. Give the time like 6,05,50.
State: 12,29,26
